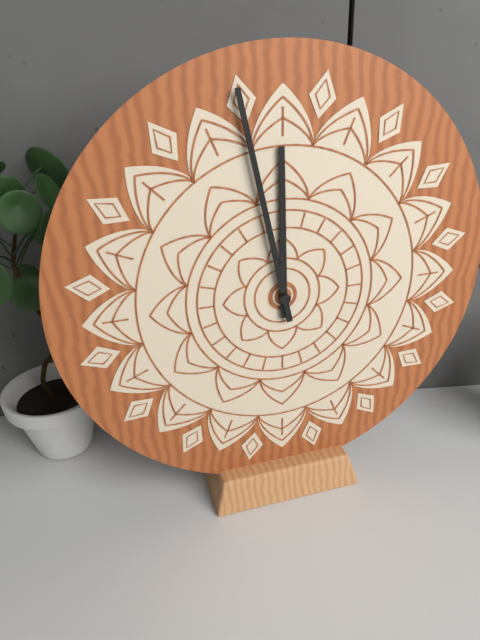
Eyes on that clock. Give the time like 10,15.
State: 11,58
